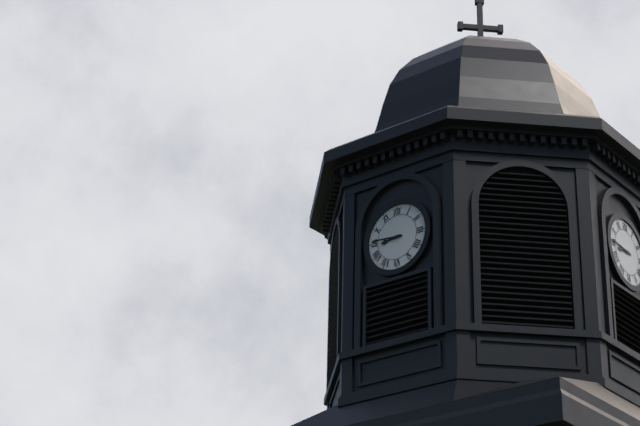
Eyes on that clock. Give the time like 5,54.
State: 8,46
